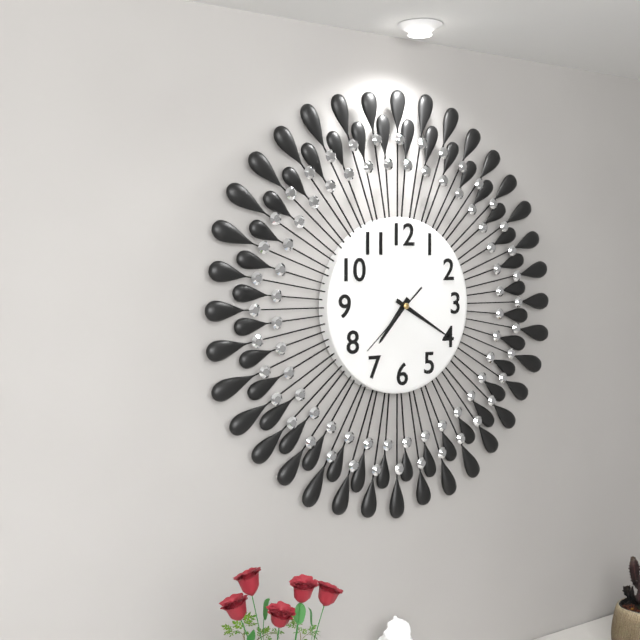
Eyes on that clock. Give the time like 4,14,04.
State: 7,20,38
